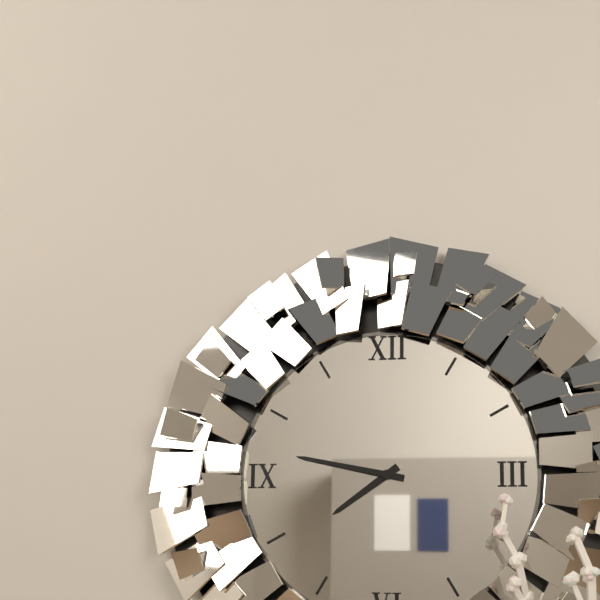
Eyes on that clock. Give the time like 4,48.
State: 7,47
